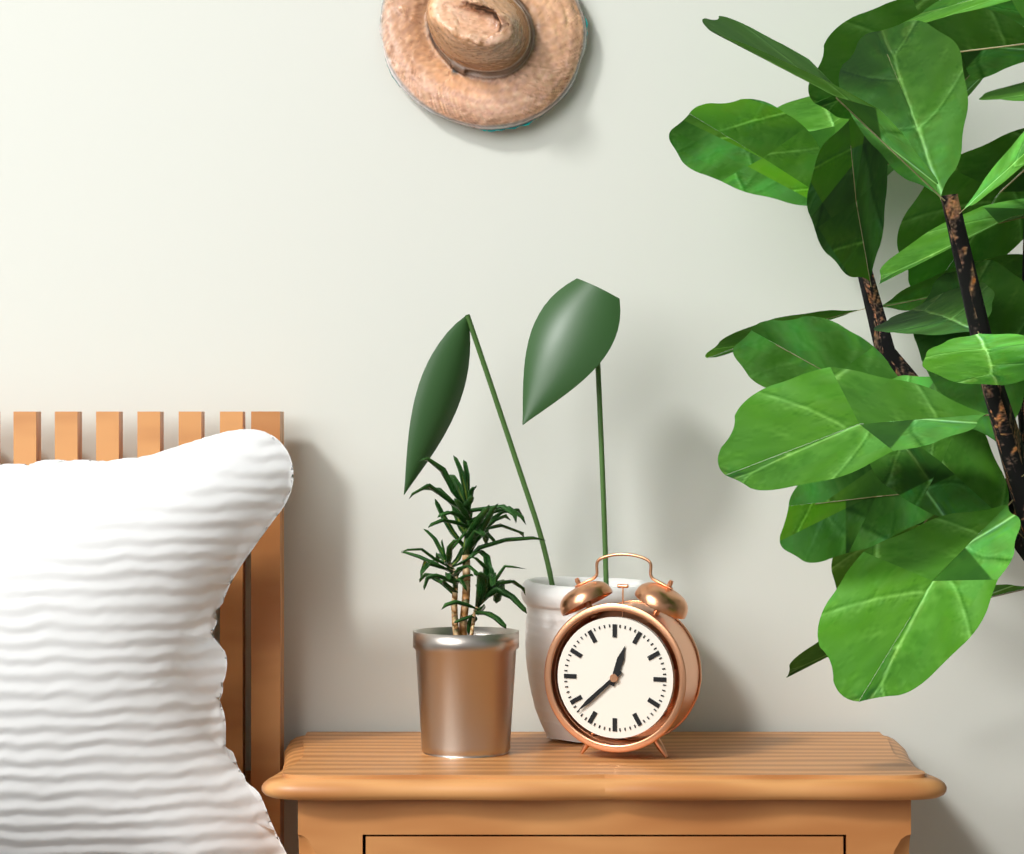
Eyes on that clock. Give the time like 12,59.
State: 12,38
